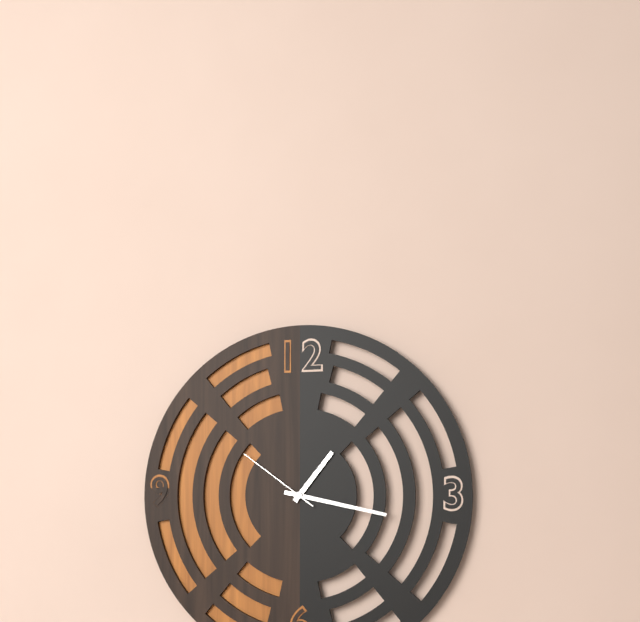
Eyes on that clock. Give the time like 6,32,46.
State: 1,17,51
